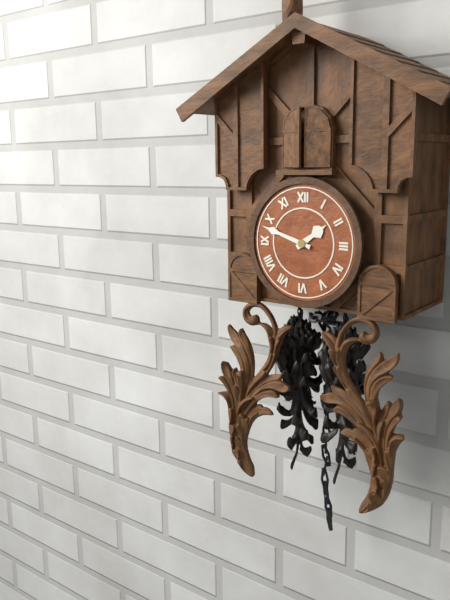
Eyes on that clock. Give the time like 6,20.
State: 1,48
